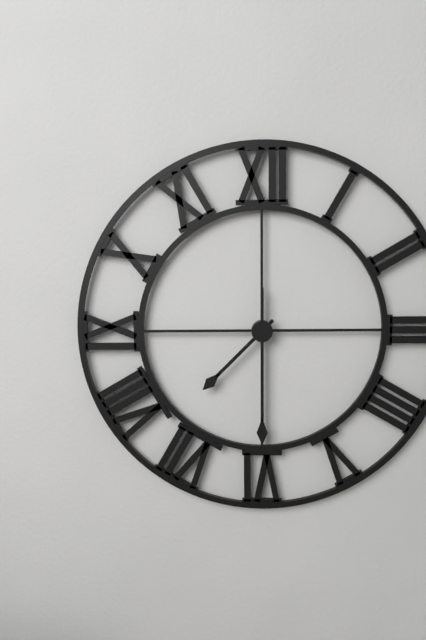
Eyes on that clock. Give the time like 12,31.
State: 7,30
